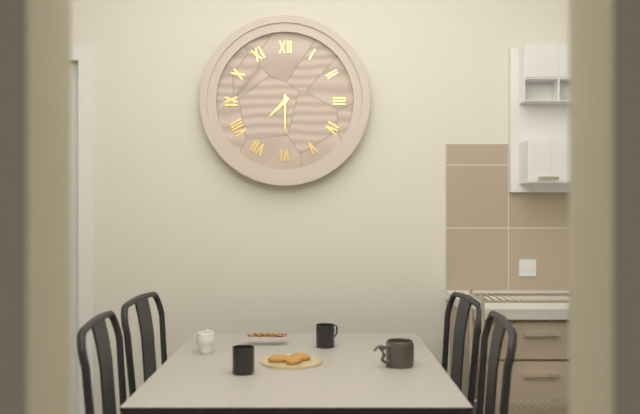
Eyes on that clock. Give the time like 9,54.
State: 7,30
